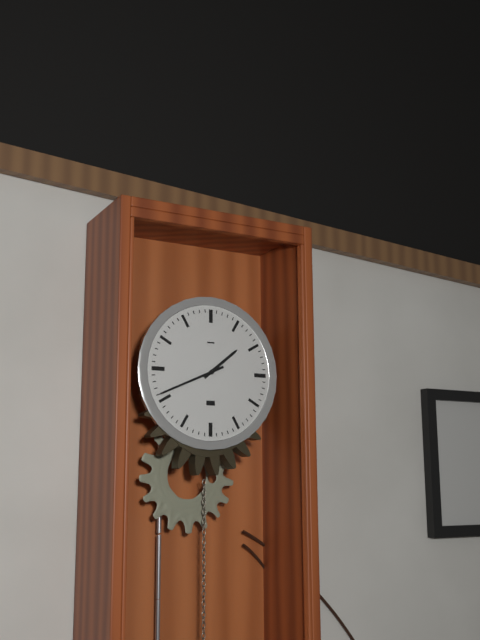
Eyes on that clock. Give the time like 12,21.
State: 1,41
